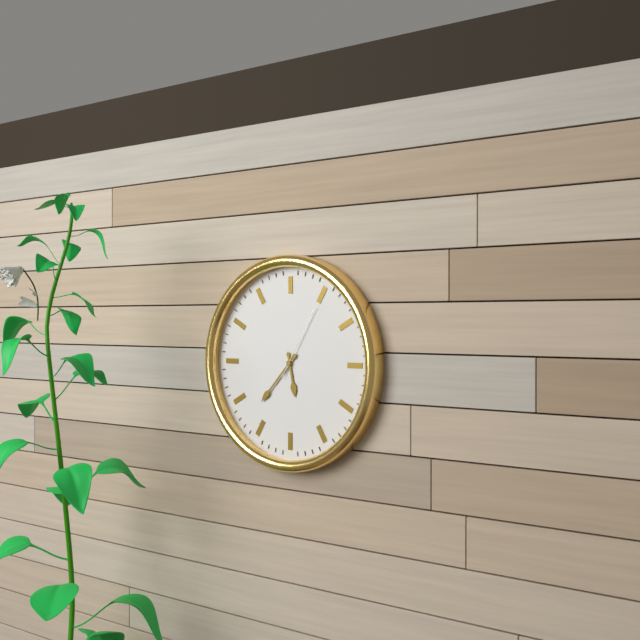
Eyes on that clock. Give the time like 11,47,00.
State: 5,37,05
